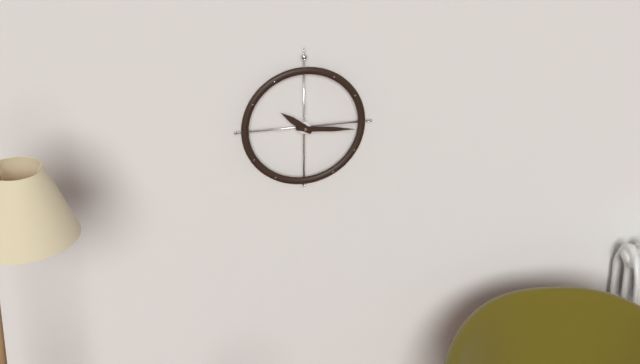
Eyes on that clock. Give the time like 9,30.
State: 10,16
